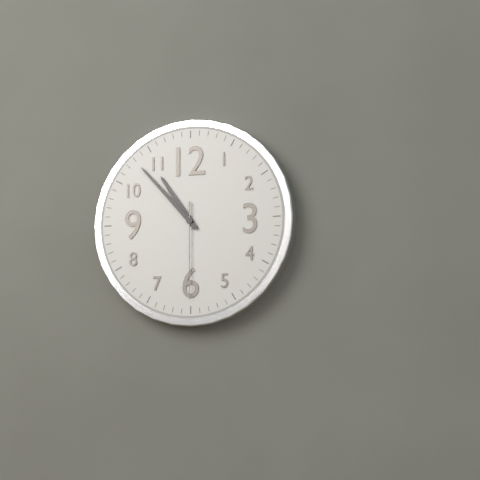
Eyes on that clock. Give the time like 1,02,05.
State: 10,53,30
